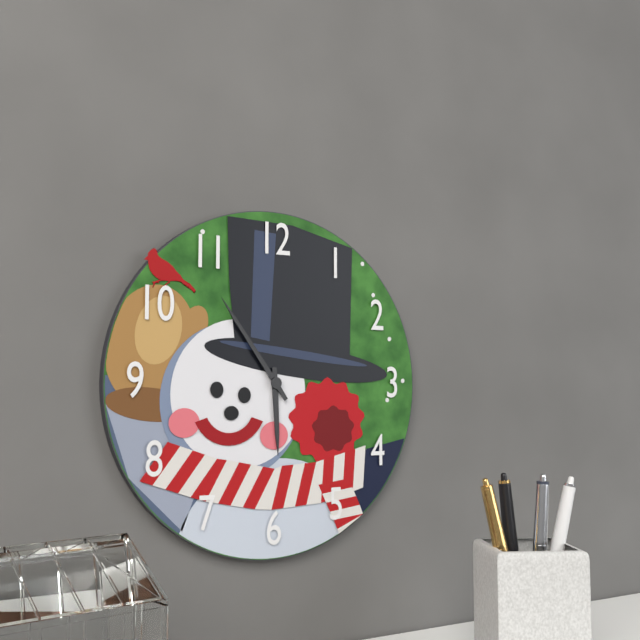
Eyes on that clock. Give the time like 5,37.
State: 5,54
